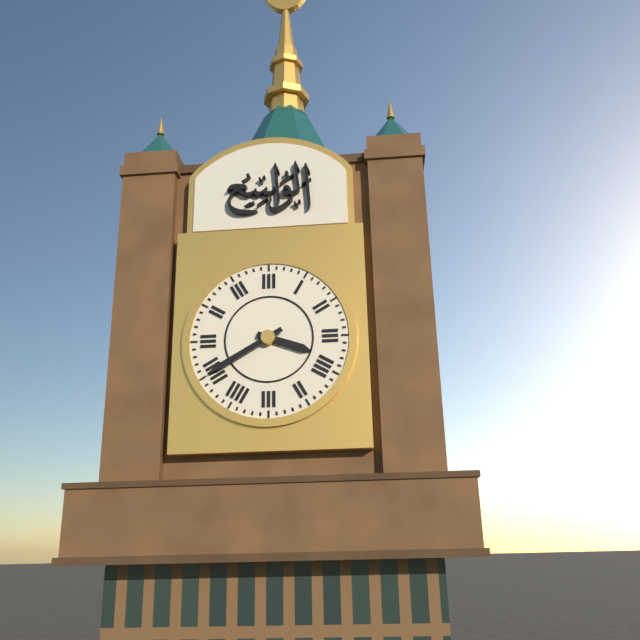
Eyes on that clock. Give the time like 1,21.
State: 3,40
